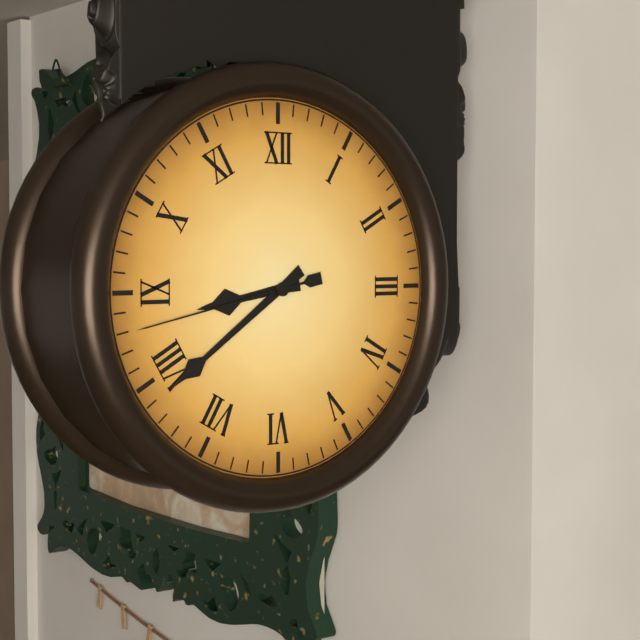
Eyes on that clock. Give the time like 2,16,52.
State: 8,39,43
